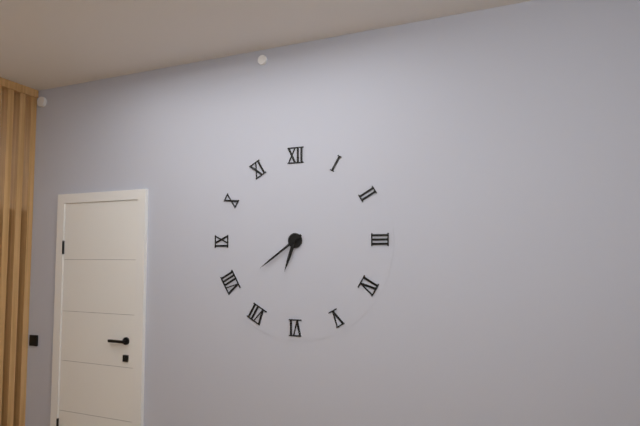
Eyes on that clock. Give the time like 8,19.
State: 6,39
